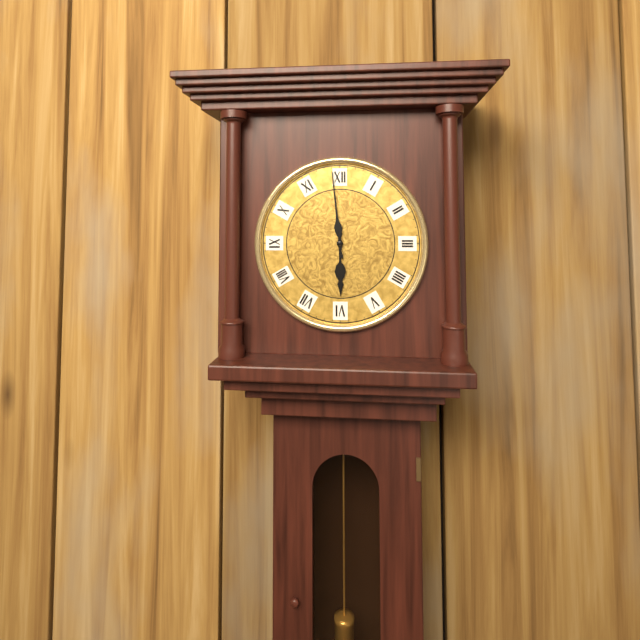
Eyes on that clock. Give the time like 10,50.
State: 5,59
